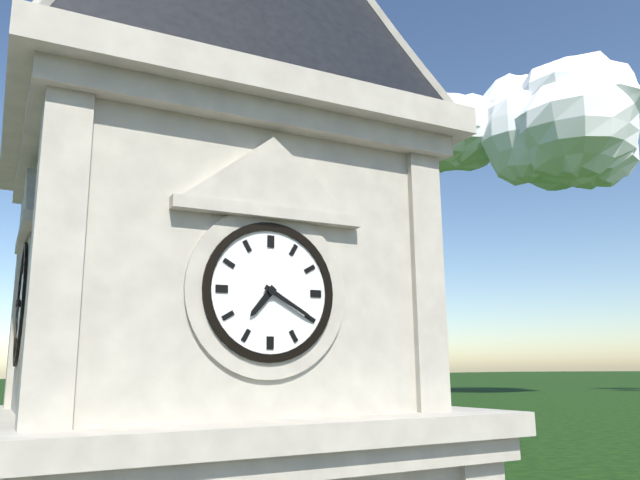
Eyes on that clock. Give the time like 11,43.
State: 7,20
